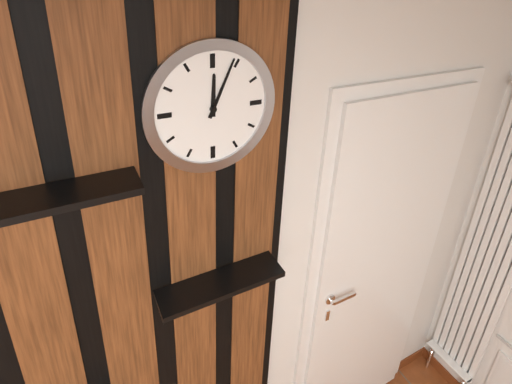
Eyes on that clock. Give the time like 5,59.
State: 12,04
